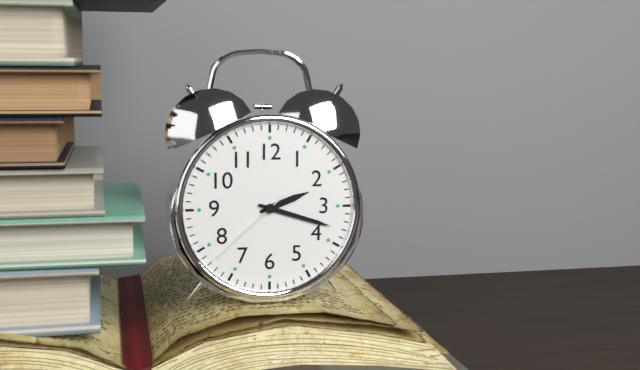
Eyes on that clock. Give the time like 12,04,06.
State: 2,18,38
